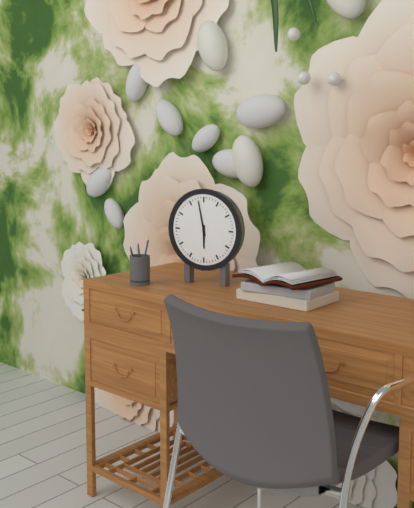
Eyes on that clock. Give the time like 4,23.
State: 5,58
